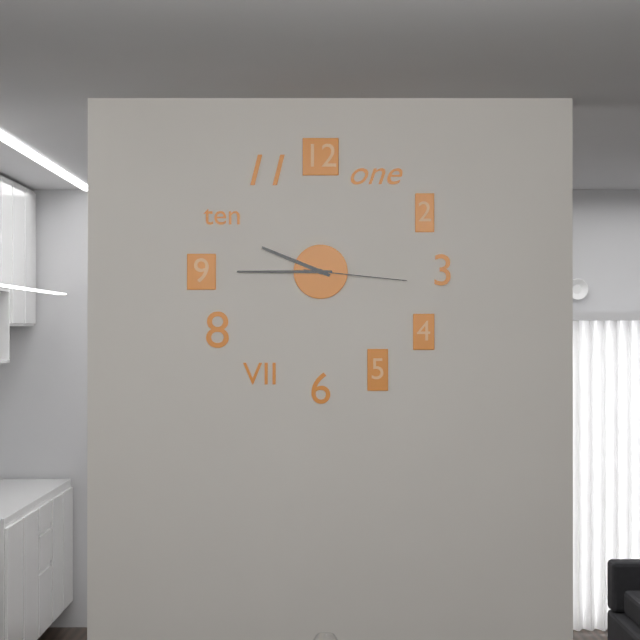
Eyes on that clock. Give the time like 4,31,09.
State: 9,45,16
